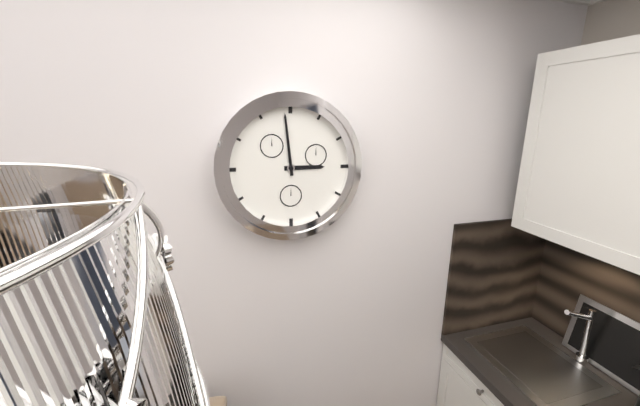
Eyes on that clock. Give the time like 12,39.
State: 2,59
